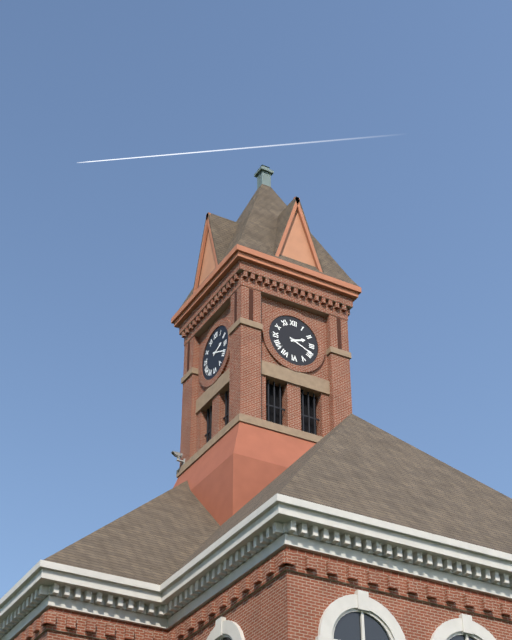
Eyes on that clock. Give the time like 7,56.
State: 2,19
